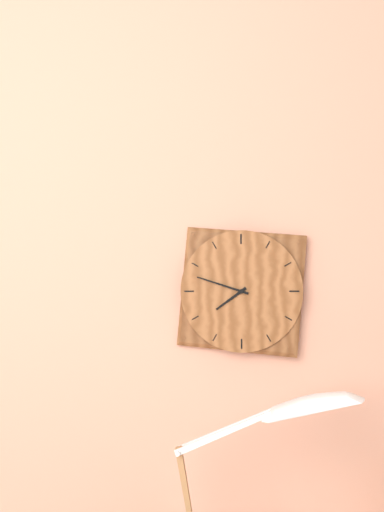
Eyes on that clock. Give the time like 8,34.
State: 7,48
